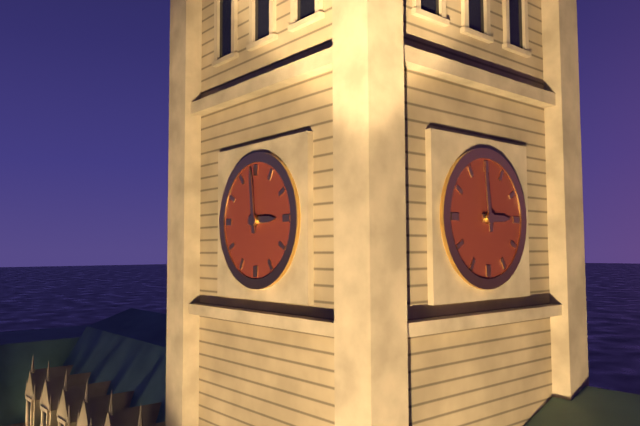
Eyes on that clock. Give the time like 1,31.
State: 2,59
